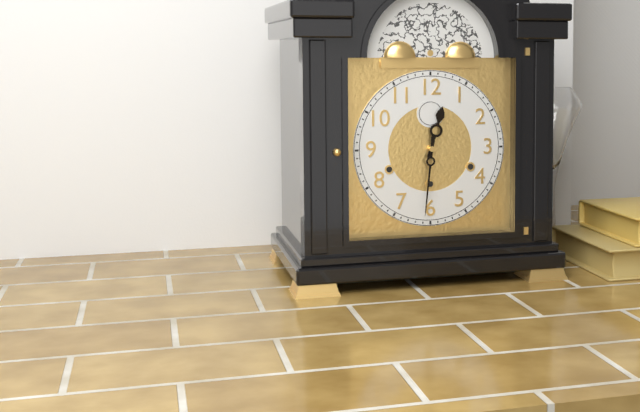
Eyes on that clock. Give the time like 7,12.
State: 12,31
